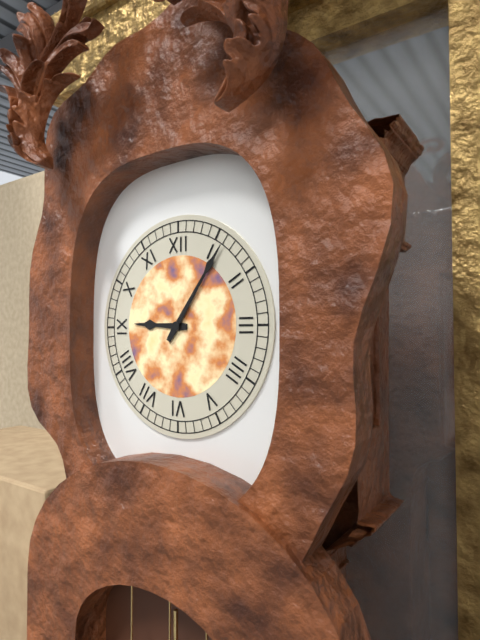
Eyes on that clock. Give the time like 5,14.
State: 9,06
